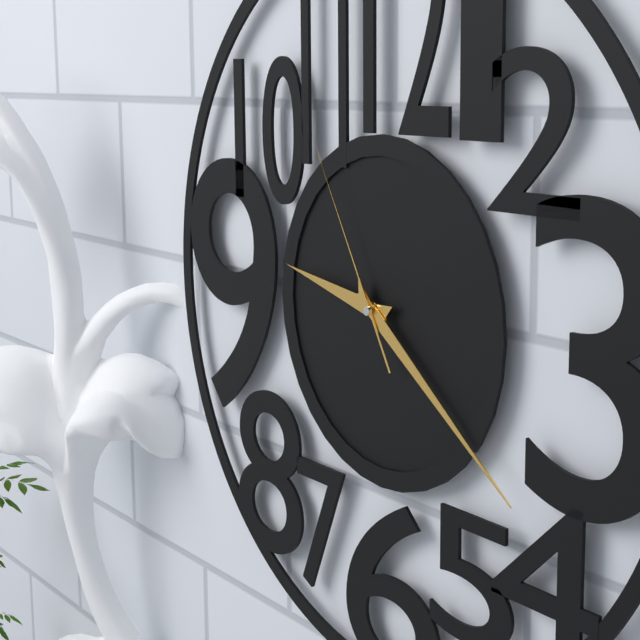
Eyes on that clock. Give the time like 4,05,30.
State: 9,21,55
